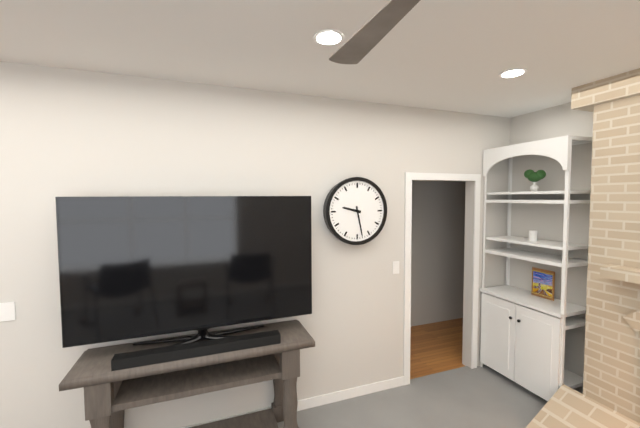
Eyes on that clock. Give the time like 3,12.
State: 9,28
